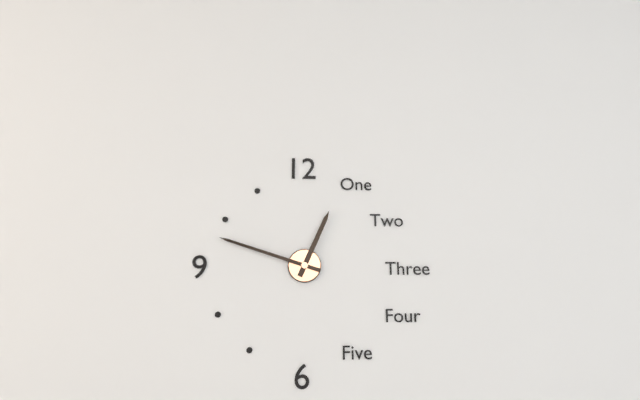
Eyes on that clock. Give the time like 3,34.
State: 12,48
